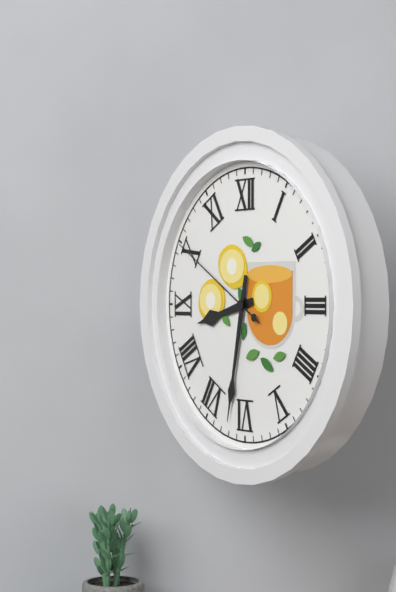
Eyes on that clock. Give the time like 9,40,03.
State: 8,32,50
